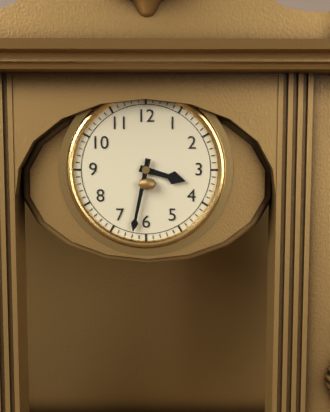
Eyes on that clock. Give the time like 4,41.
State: 3,32
